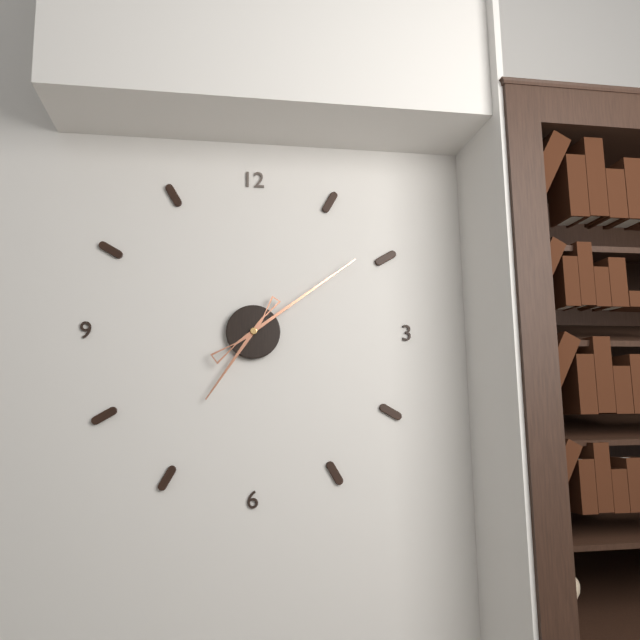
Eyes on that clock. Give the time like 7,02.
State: 7,09
